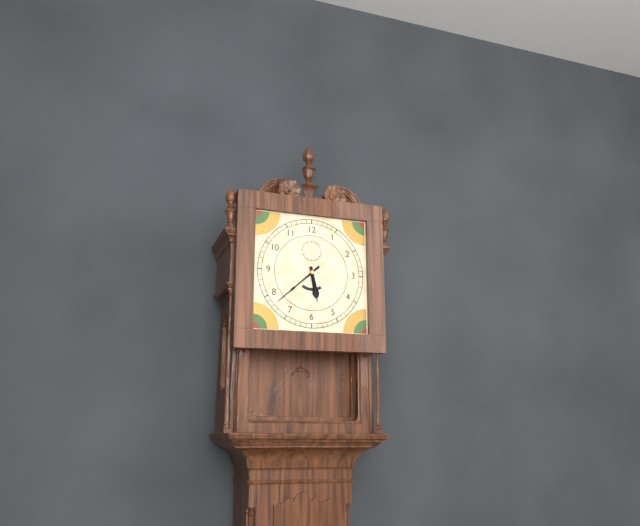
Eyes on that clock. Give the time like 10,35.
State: 5,38
